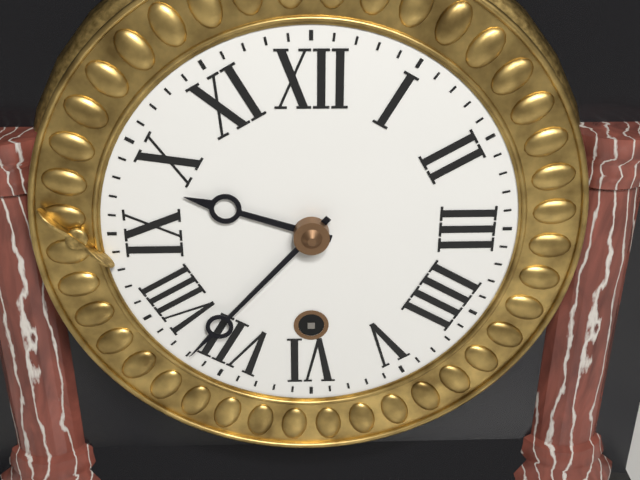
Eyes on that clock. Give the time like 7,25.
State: 9,37
